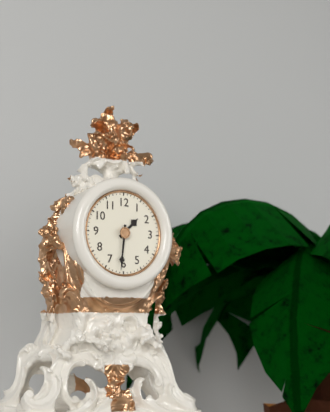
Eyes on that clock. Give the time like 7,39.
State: 1,31
